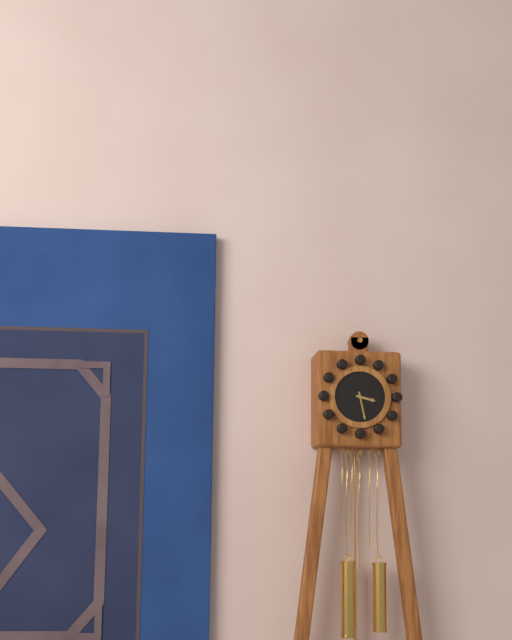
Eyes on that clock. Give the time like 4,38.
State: 3,28
